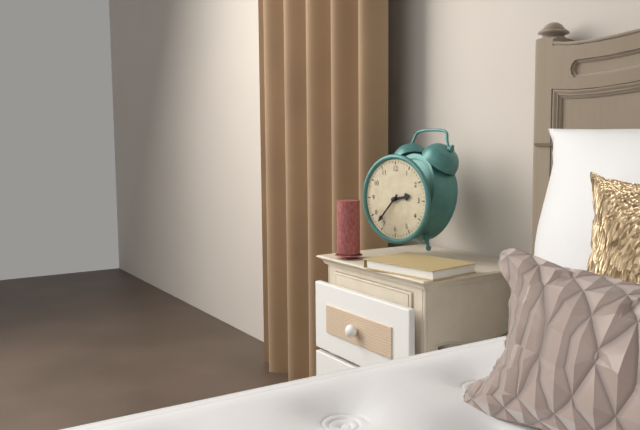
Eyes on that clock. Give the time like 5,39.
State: 2,37
